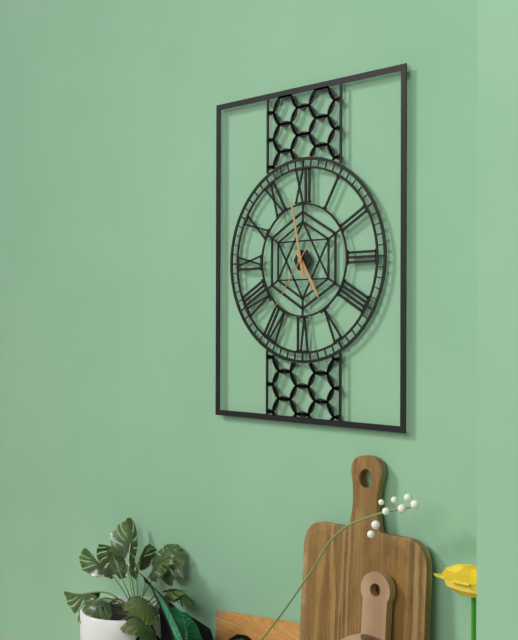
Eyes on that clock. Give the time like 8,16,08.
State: 4,58,36
